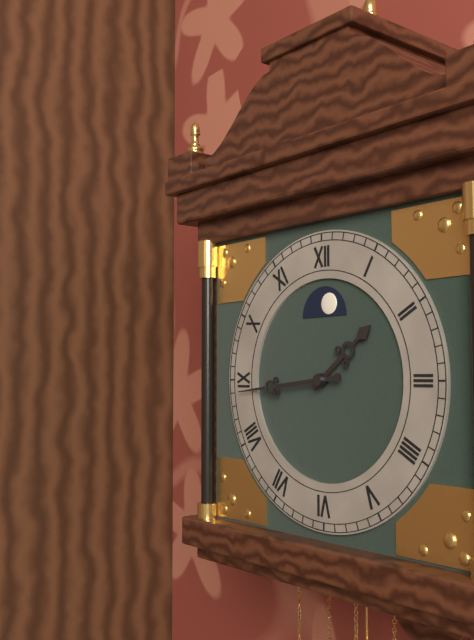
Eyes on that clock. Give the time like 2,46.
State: 1,44
